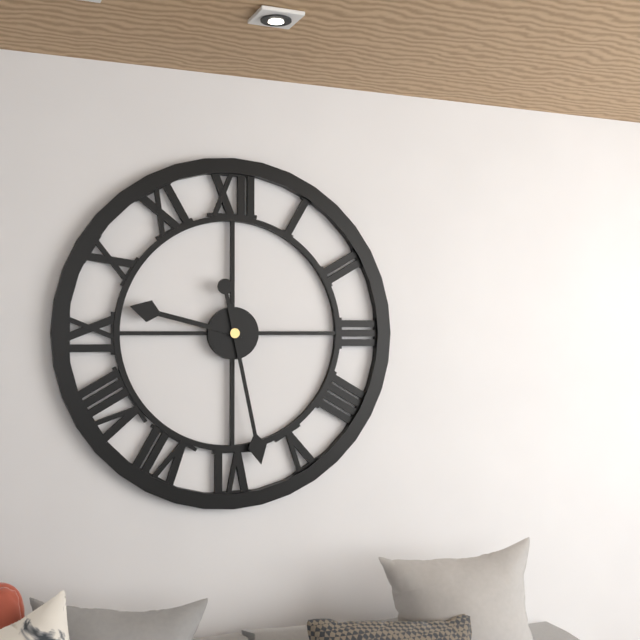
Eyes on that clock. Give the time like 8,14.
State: 9,28
